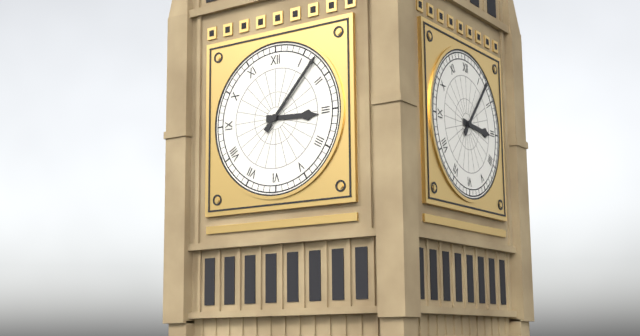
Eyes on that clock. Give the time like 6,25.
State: 3,07
